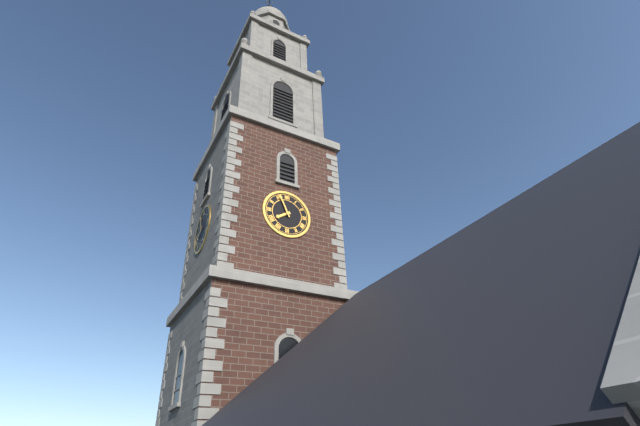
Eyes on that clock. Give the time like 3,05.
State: 7,56
